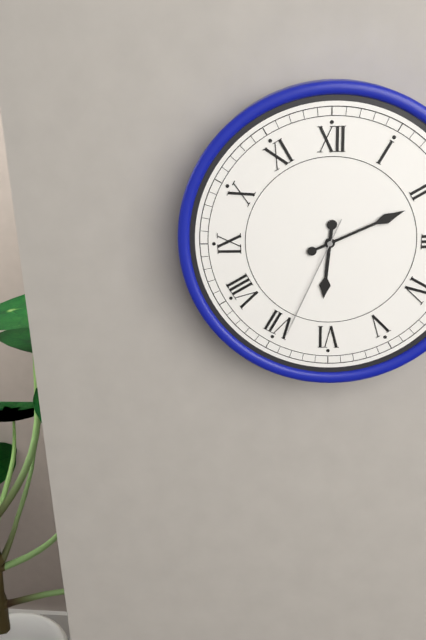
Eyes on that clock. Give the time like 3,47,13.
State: 6,11,34
